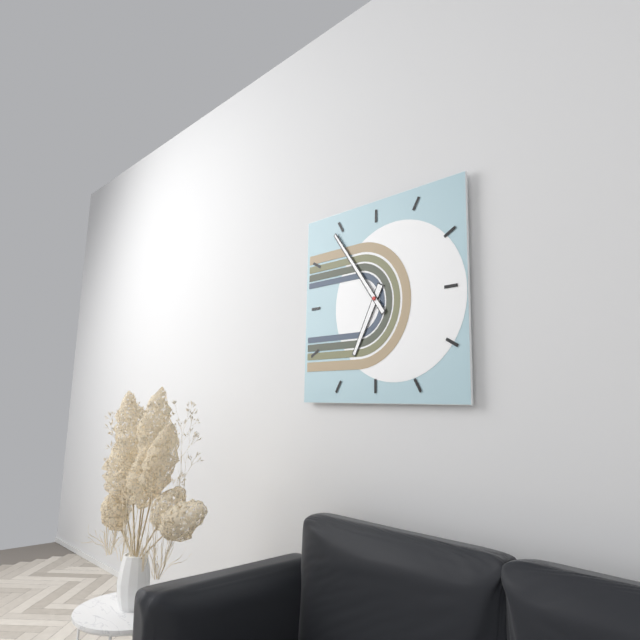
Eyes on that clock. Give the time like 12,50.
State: 6,54
